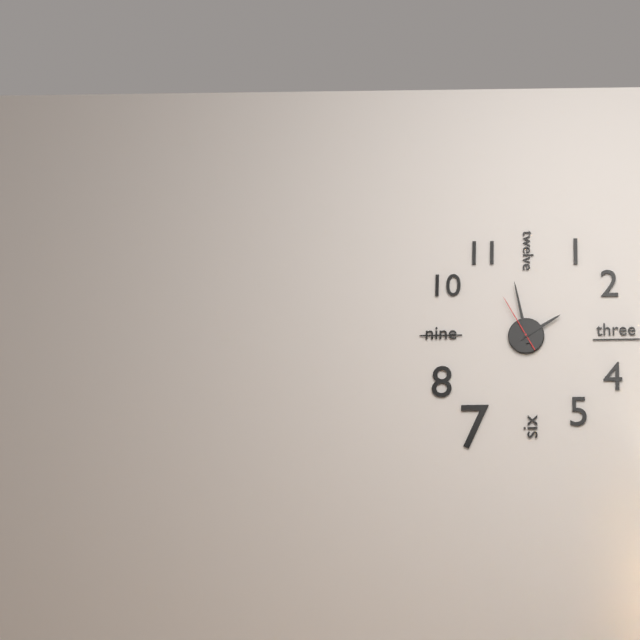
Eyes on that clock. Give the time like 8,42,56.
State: 1,58,55
